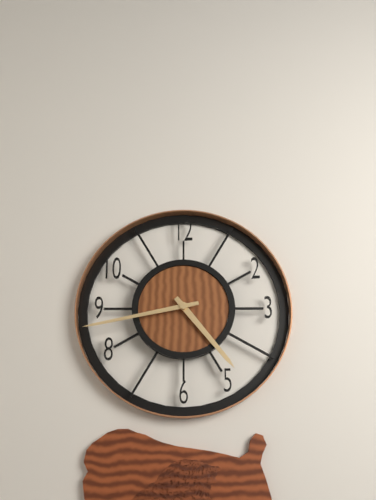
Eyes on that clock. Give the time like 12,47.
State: 4,43
